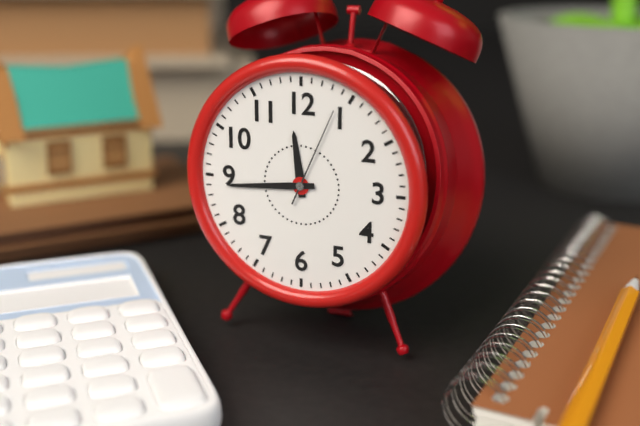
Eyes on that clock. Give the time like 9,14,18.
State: 11,44,04
